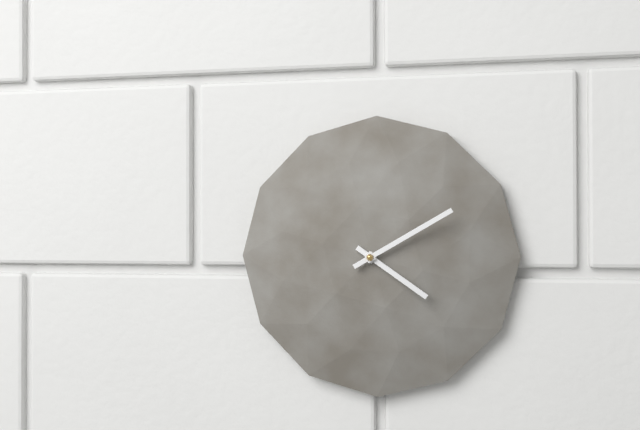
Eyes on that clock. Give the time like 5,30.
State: 4,10
